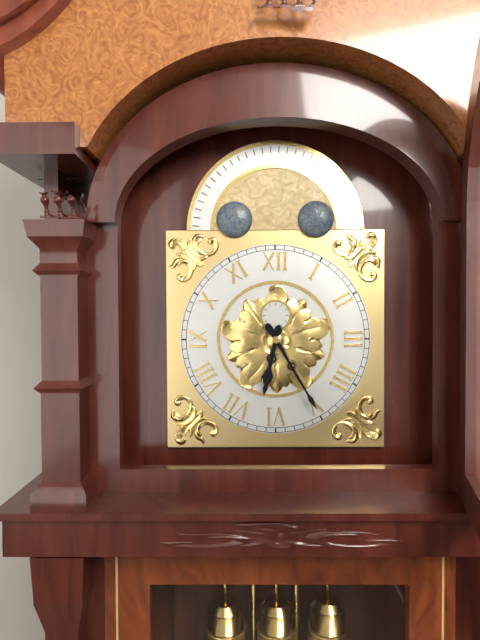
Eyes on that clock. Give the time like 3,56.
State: 6,25
